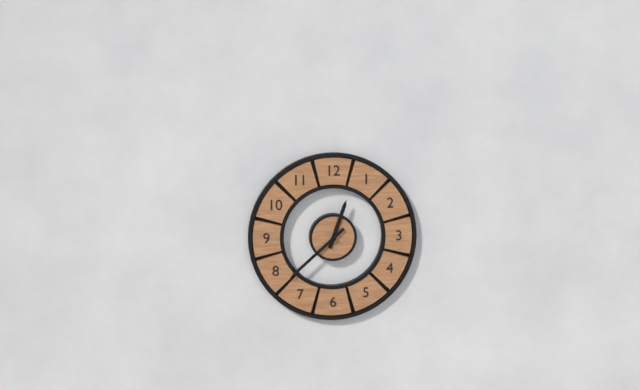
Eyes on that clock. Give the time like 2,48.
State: 12,38
